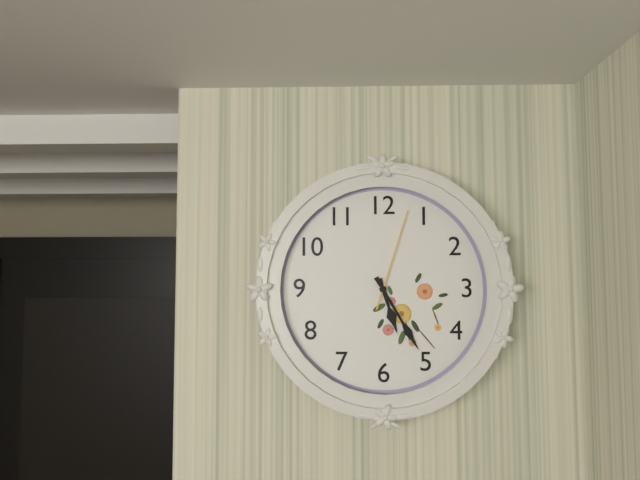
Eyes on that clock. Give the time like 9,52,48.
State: 5,25,03
